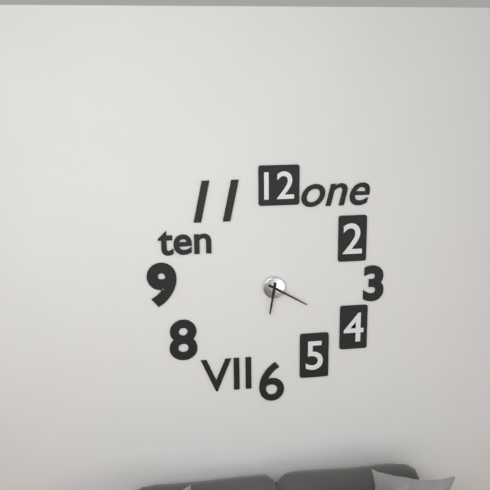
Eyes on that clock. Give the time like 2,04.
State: 6,20
